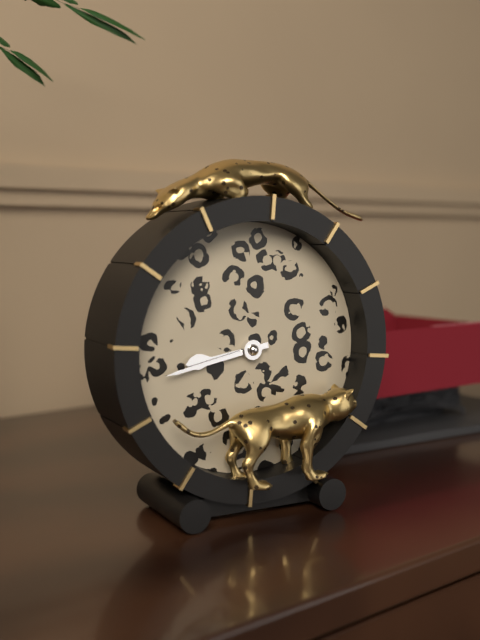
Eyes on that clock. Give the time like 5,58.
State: 8,43
